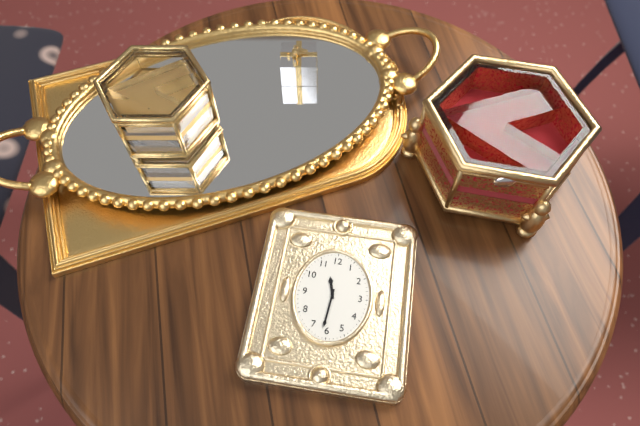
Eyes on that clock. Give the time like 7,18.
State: 11,31
